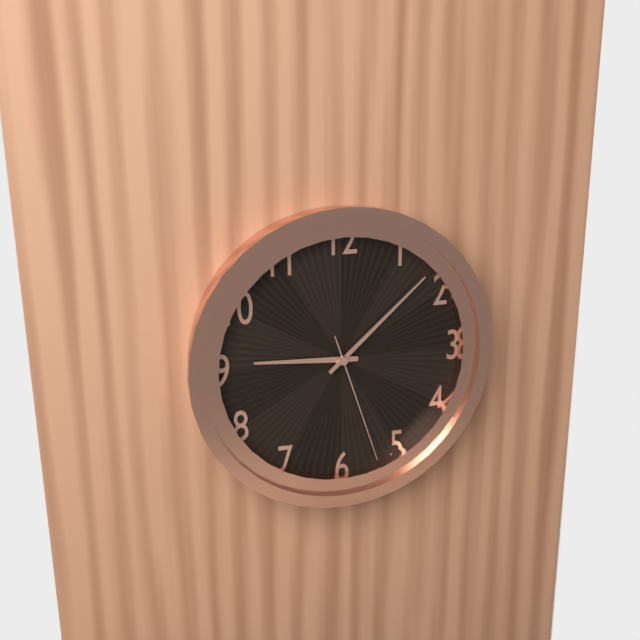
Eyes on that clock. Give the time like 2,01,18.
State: 9,08,27
